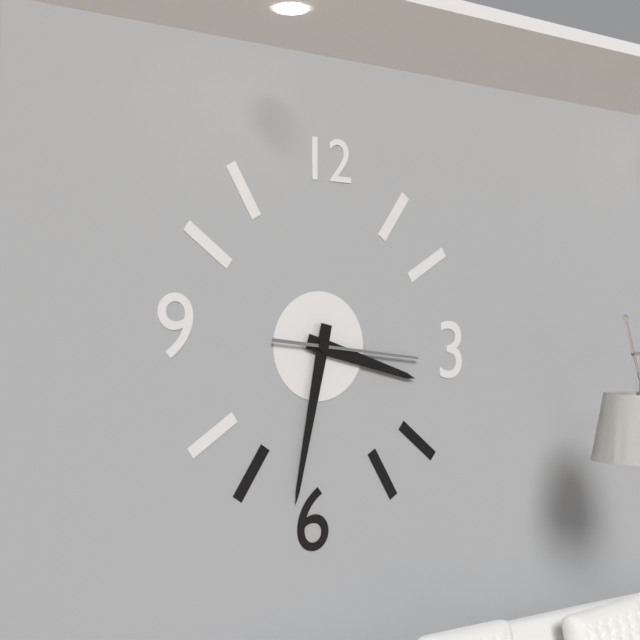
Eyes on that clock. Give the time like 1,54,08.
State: 3,32,16
